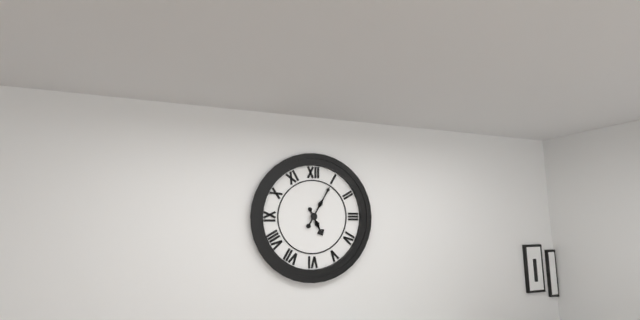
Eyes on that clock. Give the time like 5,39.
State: 5,05
